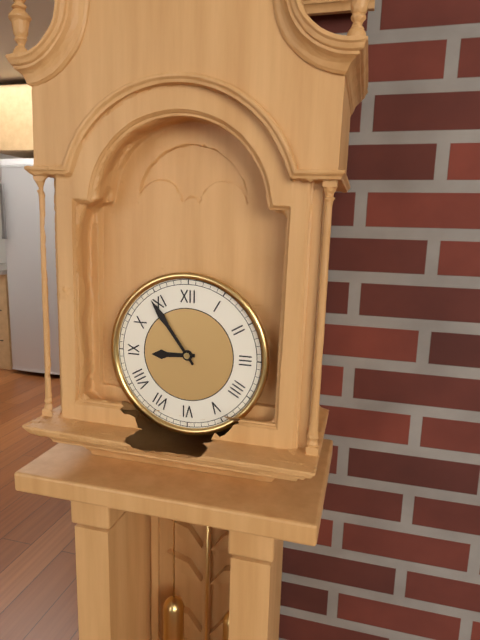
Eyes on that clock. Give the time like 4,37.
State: 8,54
